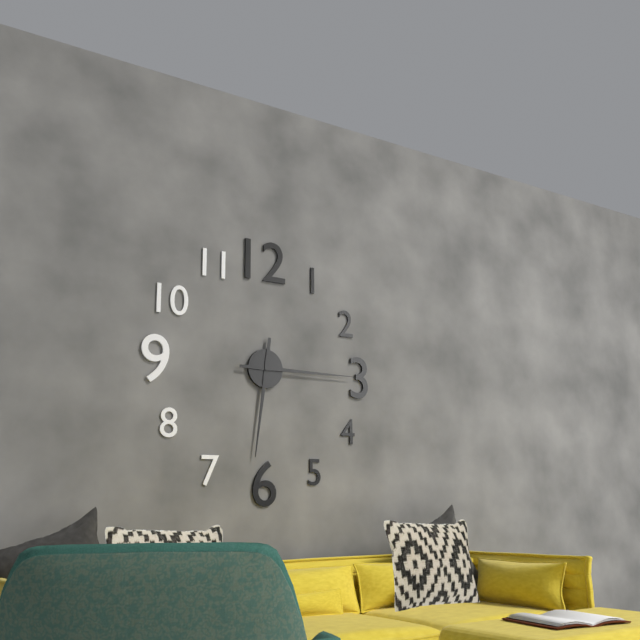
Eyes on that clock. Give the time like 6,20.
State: 6,15
